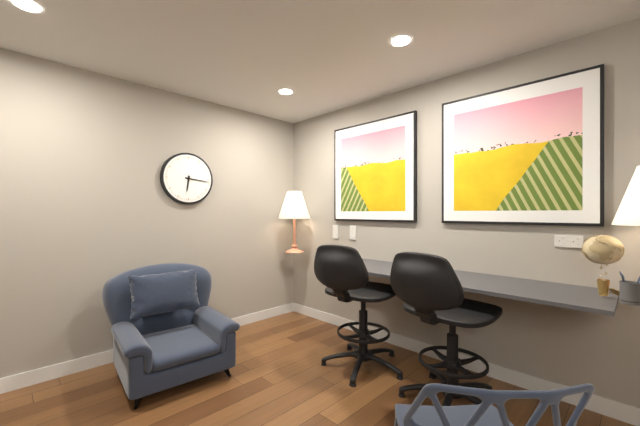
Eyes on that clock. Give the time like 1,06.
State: 6,16
